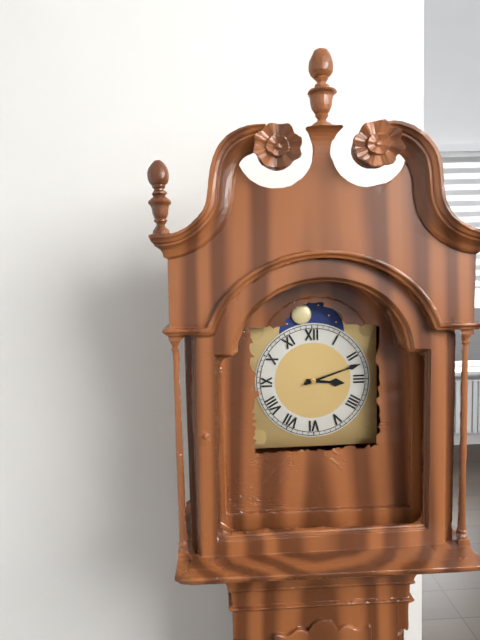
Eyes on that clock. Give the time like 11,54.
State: 3,12
